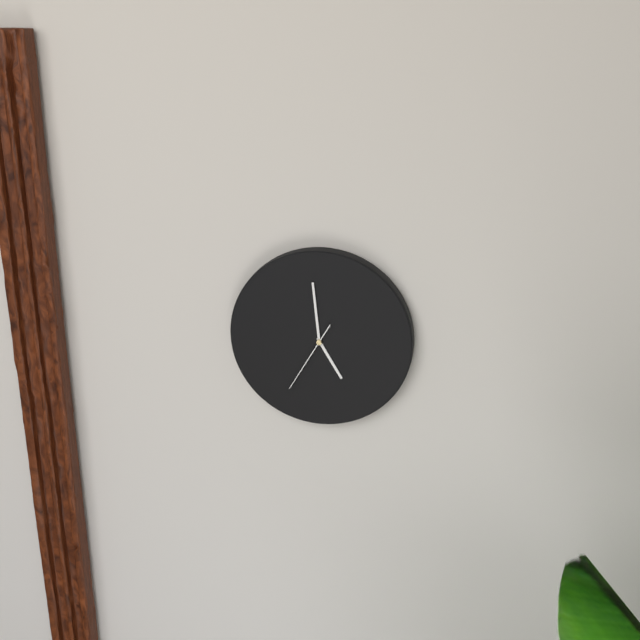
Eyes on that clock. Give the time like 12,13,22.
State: 4,59,35
